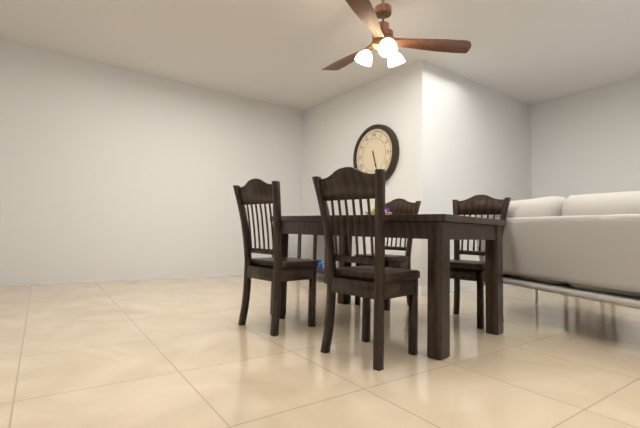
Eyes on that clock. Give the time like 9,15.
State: 5,27
